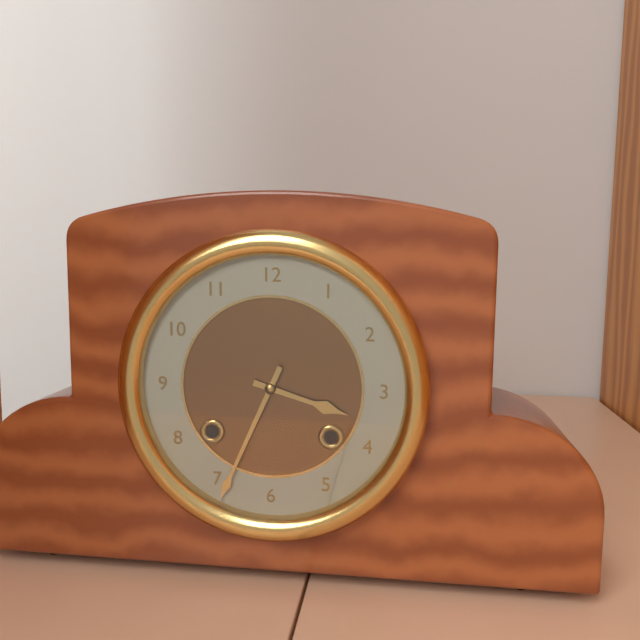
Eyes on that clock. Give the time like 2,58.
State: 3,34
